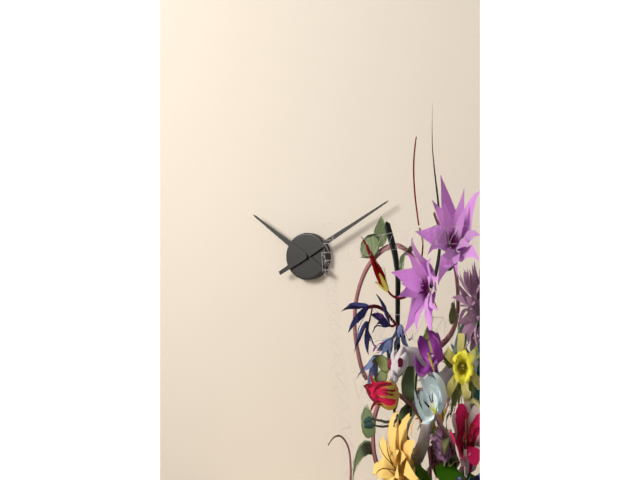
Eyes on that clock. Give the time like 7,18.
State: 10,10
